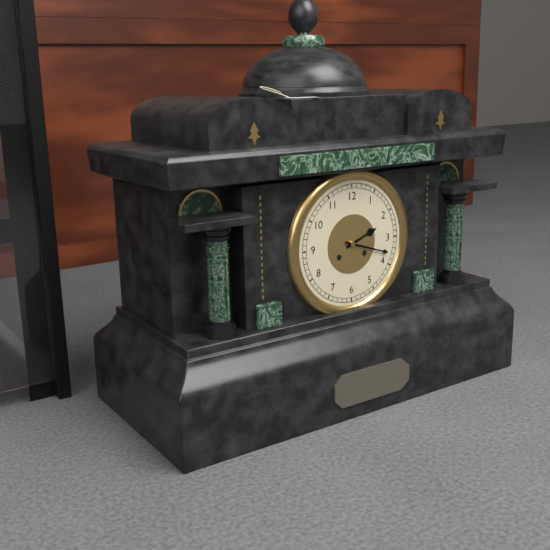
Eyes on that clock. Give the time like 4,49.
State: 2,18
